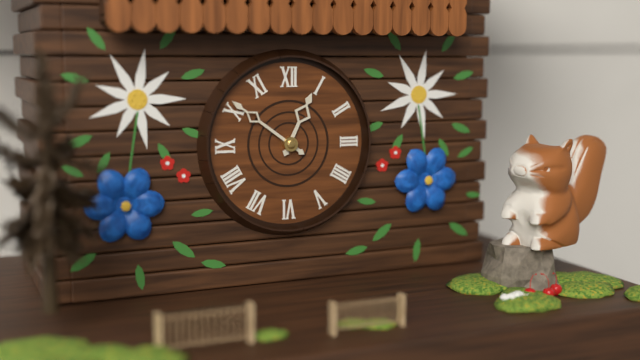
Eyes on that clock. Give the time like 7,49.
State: 12,51
